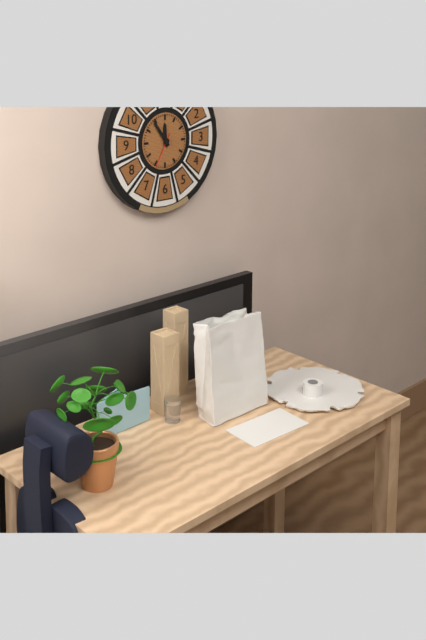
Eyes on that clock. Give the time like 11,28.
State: 11,54
